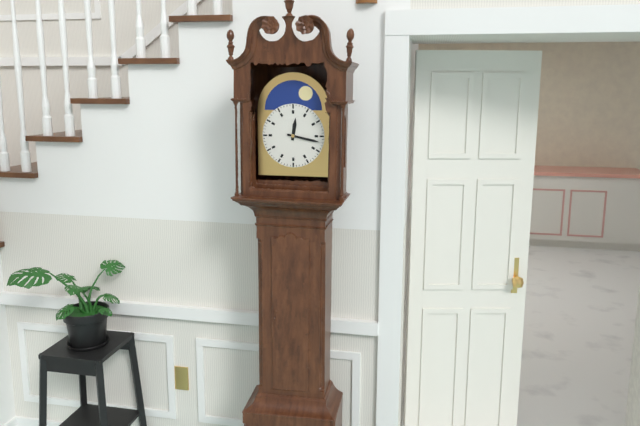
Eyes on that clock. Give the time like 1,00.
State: 12,17
